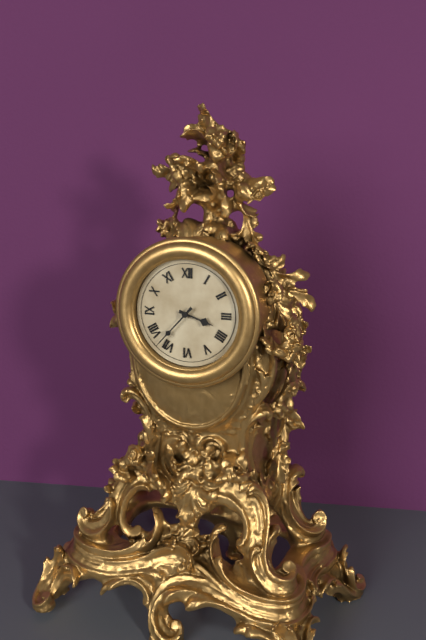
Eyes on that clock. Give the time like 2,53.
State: 3,37
